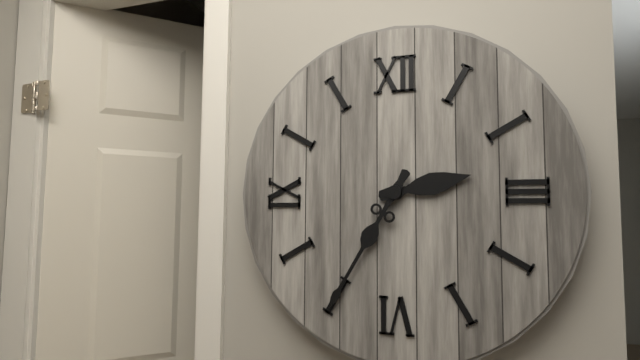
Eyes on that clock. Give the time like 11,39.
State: 2,35
